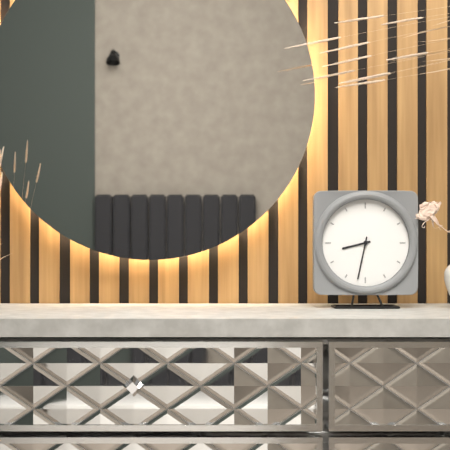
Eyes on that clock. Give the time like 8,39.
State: 8,32
